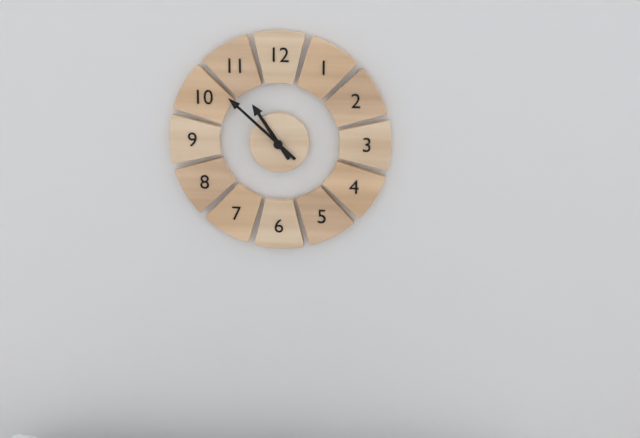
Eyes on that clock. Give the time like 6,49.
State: 10,52
